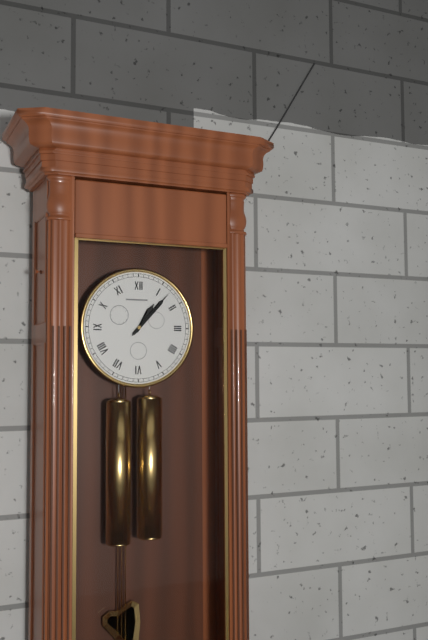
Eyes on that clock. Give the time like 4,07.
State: 1,07
